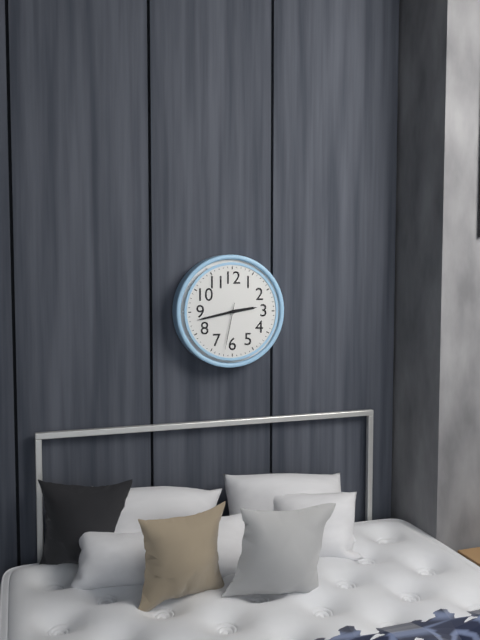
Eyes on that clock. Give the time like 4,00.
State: 2,43
